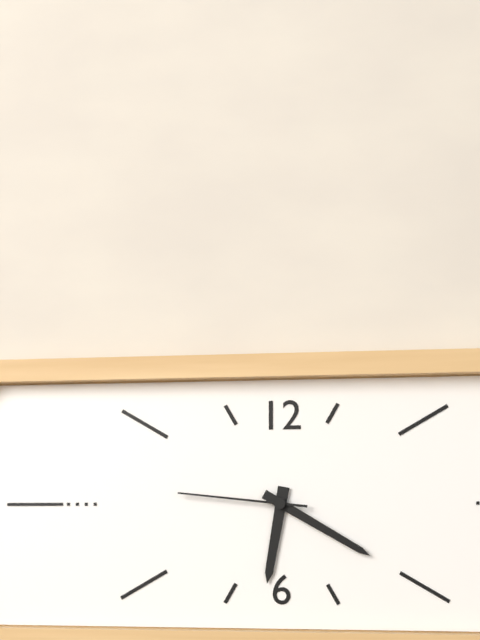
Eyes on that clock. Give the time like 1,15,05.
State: 6,20,46
